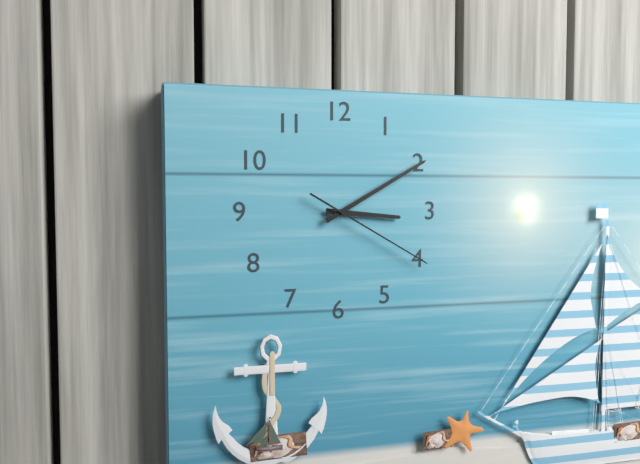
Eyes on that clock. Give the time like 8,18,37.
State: 3,10,20
